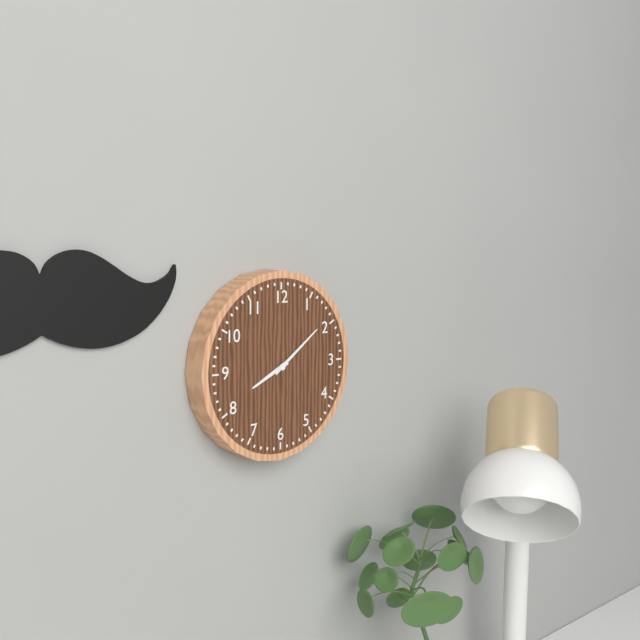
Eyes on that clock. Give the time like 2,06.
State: 8,09
